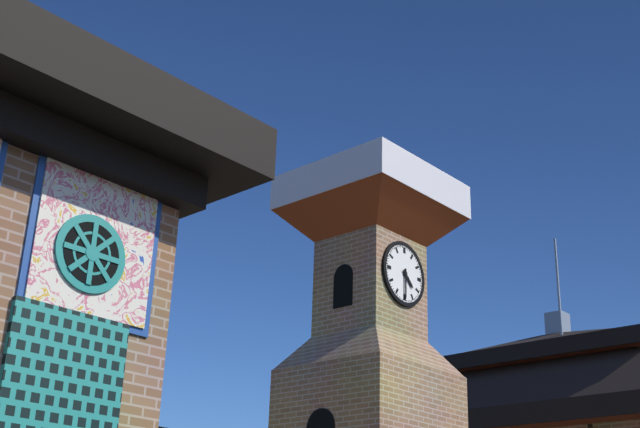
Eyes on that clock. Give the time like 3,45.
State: 4,30
